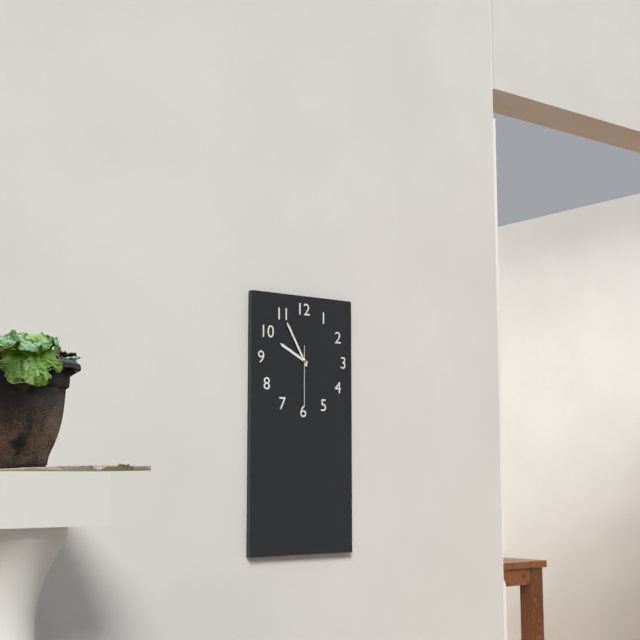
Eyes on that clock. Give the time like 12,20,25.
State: 9,55,30
